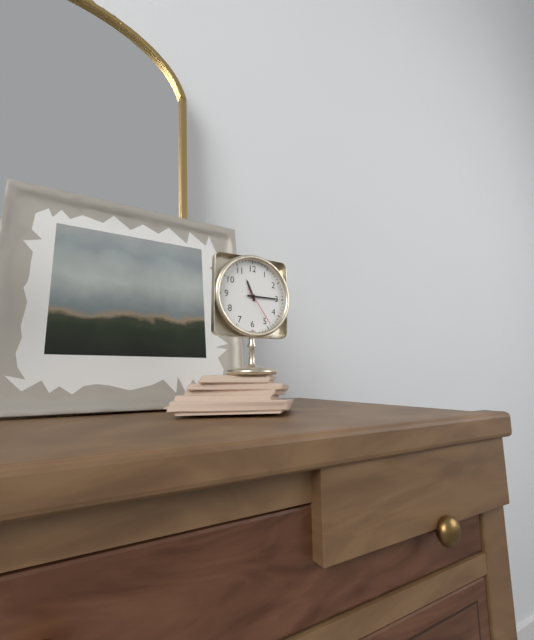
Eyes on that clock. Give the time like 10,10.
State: 11,15
